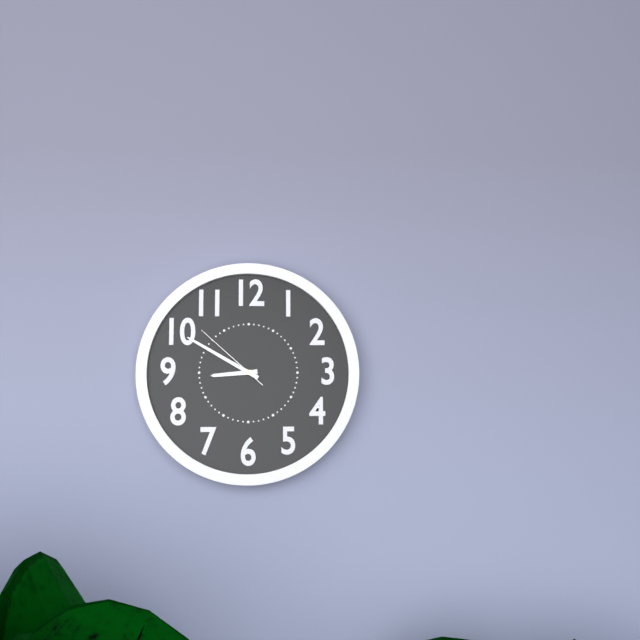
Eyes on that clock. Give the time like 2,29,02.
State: 8,50,52
